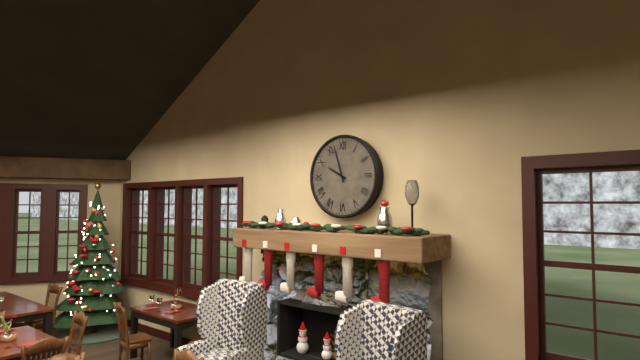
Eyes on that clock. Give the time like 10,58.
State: 9,57
